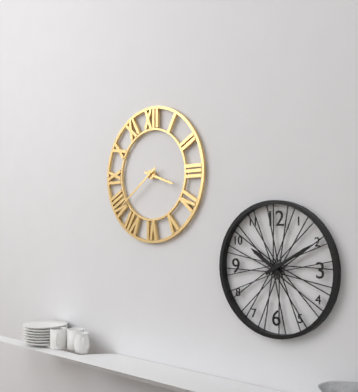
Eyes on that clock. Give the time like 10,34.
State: 3,39
